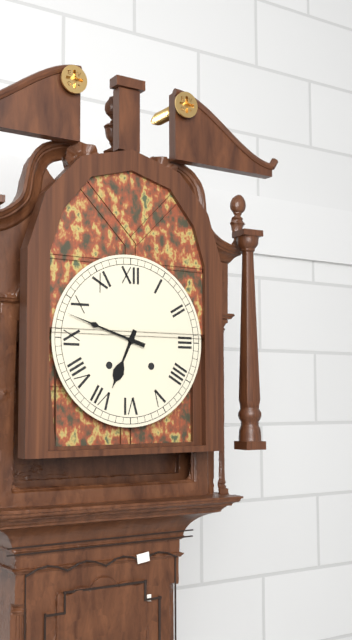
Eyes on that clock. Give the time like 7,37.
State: 6,48
